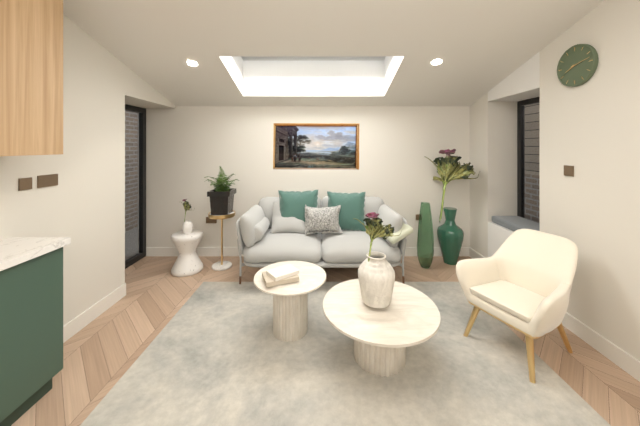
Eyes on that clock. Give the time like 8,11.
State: 8,13
